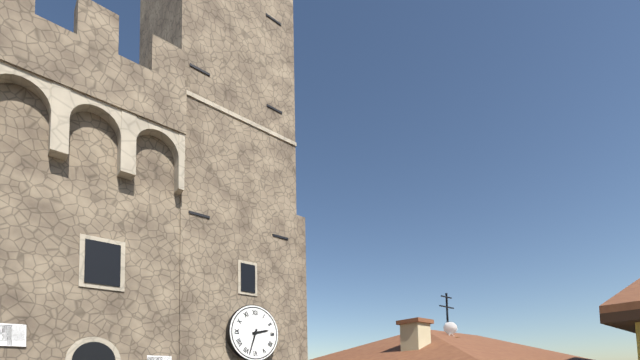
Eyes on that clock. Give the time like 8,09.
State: 2,33
